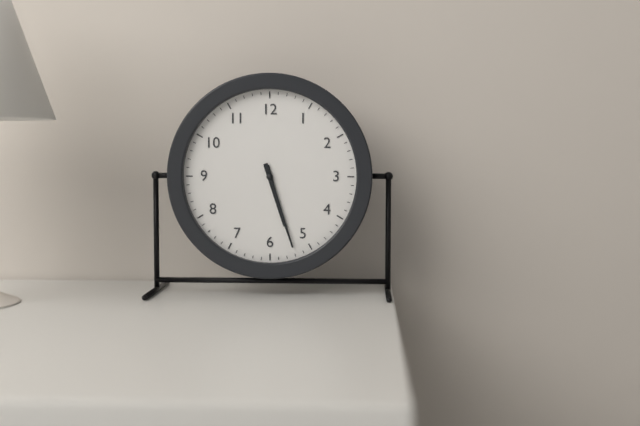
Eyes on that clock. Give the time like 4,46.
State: 5,27
